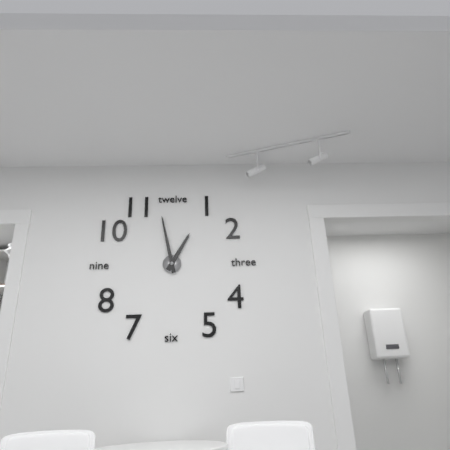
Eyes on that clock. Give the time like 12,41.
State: 12,58
